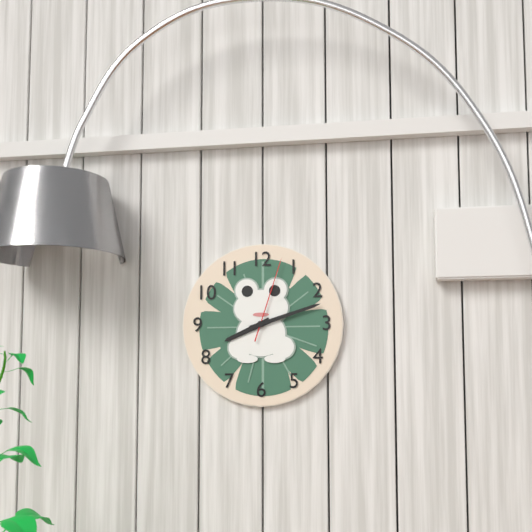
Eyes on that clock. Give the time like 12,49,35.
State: 8,12,03
